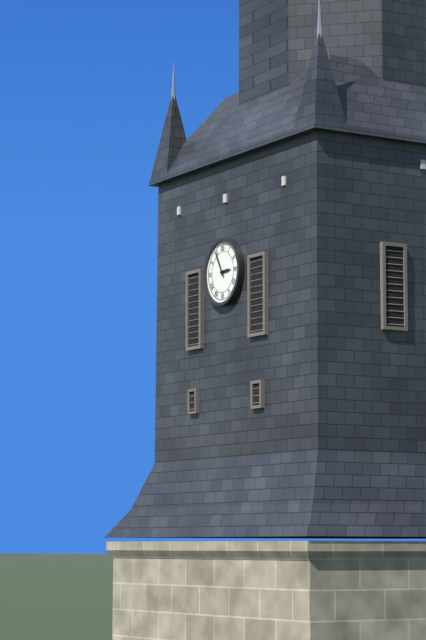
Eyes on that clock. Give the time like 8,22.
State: 2,55
